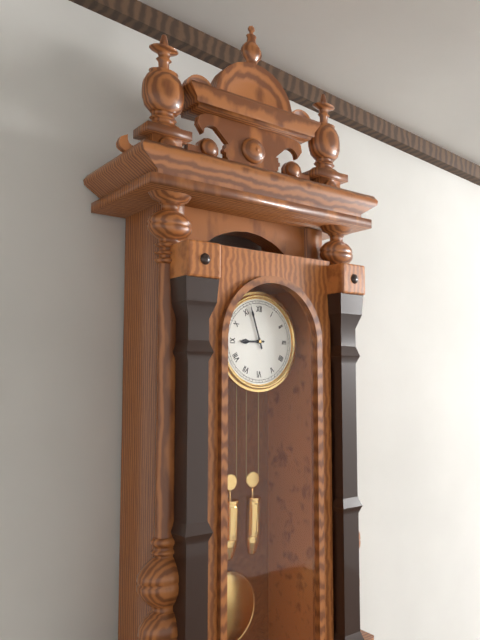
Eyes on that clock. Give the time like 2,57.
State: 8,57
